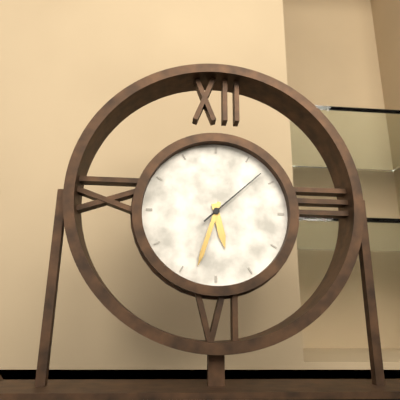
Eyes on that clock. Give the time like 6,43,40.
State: 5,33,08
